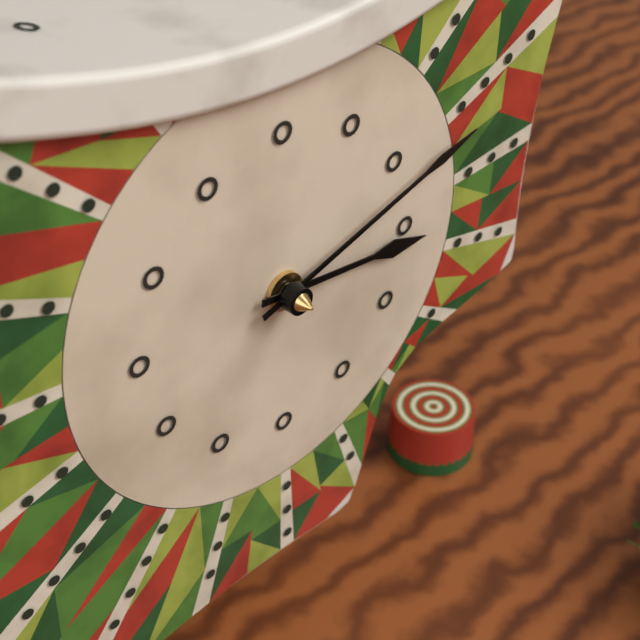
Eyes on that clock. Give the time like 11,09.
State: 3,12
